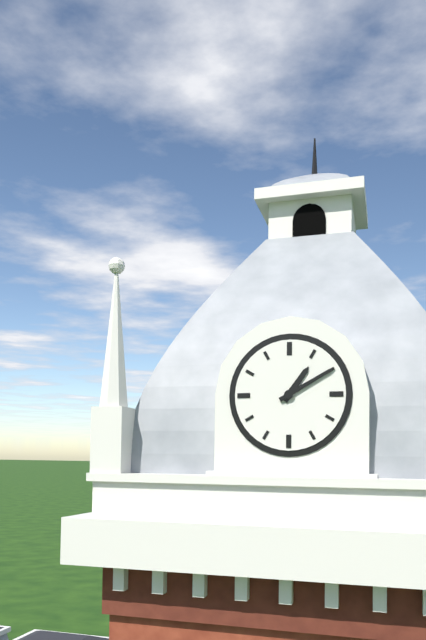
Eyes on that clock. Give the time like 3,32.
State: 1,10
